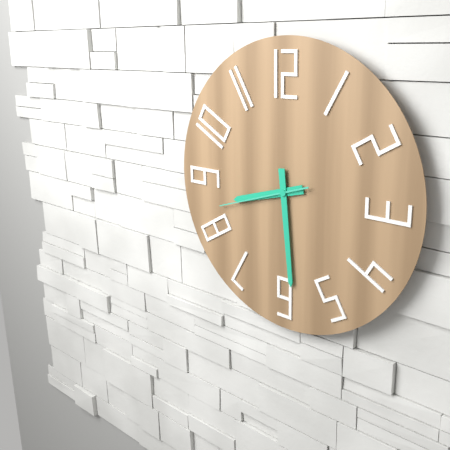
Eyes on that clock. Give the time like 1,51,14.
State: 8,29,42
